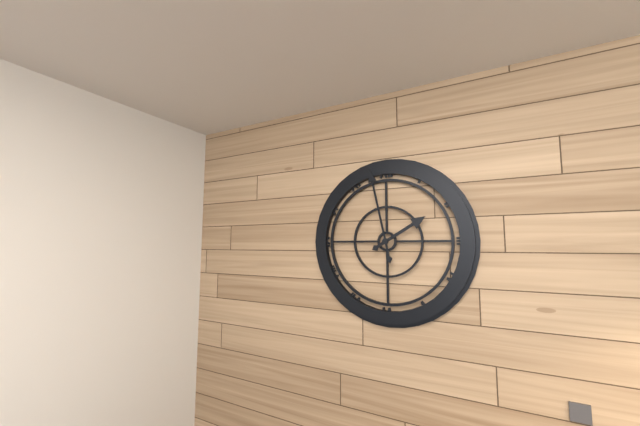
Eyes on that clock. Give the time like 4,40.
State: 1,58
